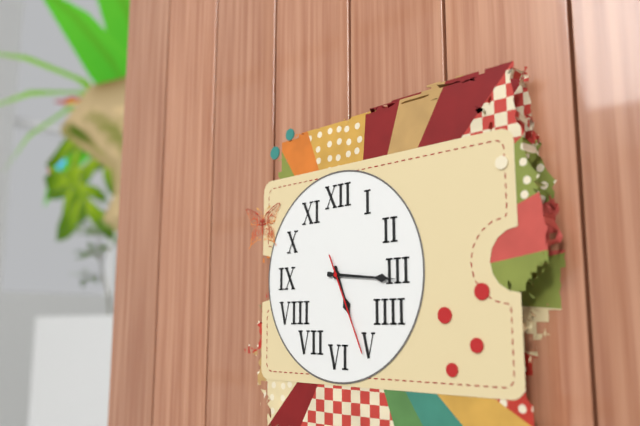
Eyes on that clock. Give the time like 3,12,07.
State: 5,16,26
